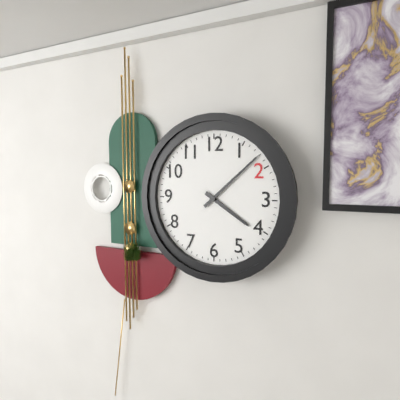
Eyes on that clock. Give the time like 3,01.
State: 4,08
